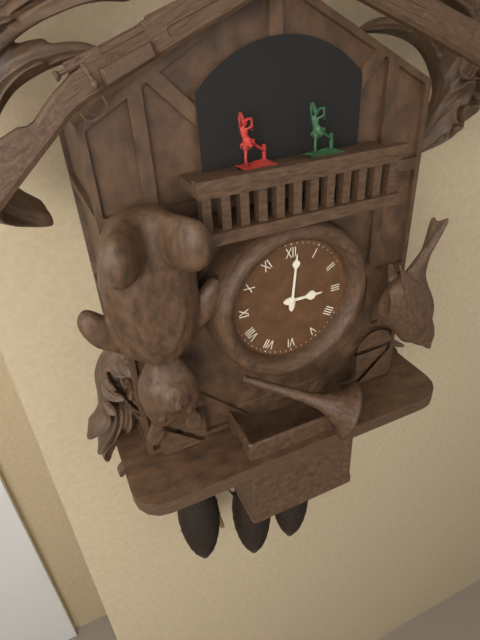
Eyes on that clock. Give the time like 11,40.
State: 3,01
